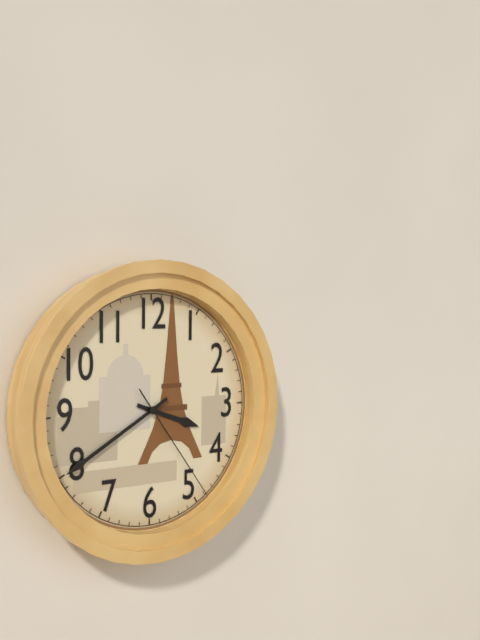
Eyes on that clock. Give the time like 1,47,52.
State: 3,40,24
